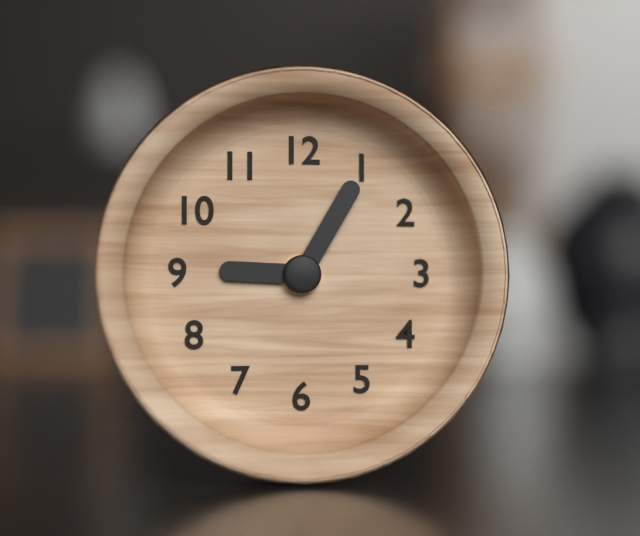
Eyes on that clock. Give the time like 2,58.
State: 9,05
